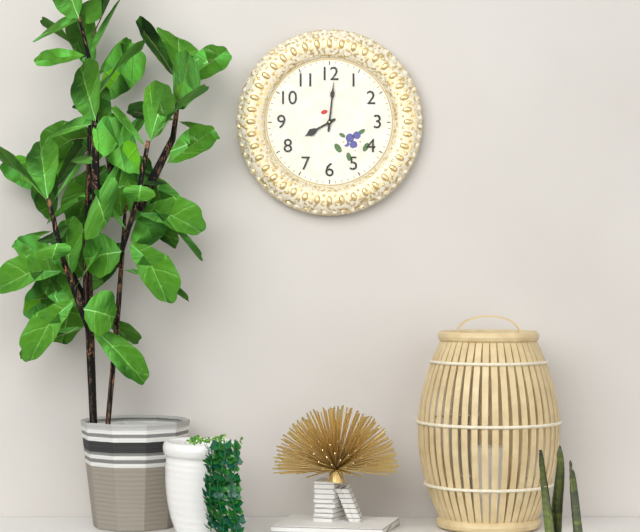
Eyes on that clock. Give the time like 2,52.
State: 8,01
